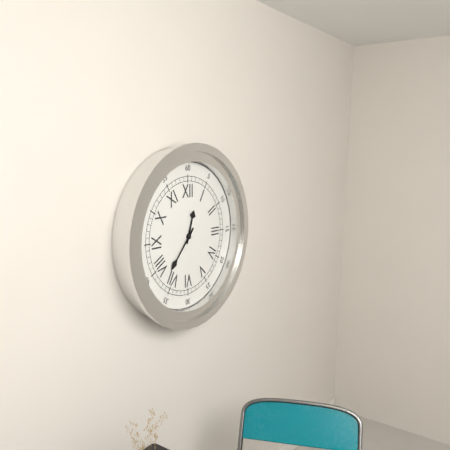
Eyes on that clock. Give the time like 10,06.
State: 12,37
